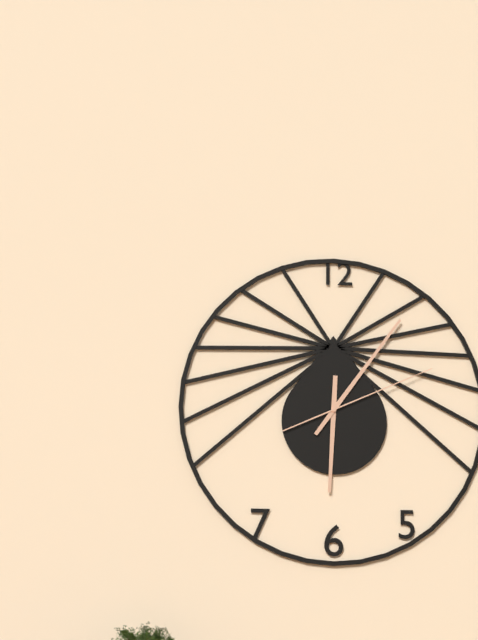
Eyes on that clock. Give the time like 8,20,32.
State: 6,06,11
